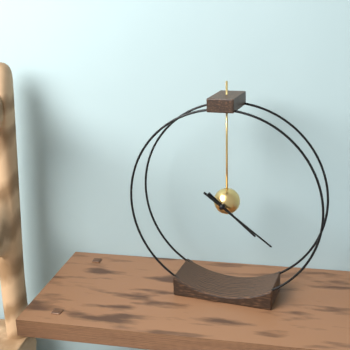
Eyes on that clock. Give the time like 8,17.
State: 4,21
